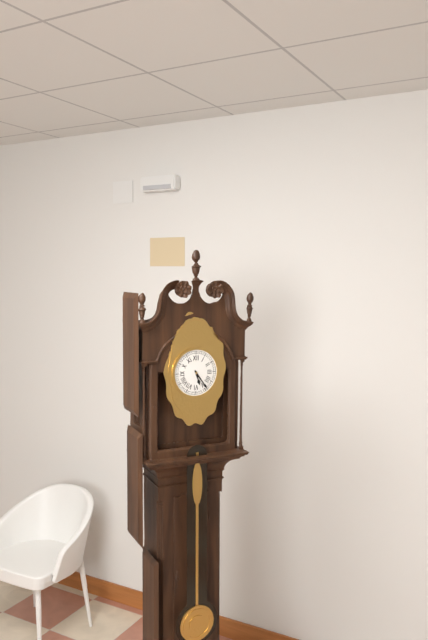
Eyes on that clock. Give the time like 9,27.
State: 5,24
